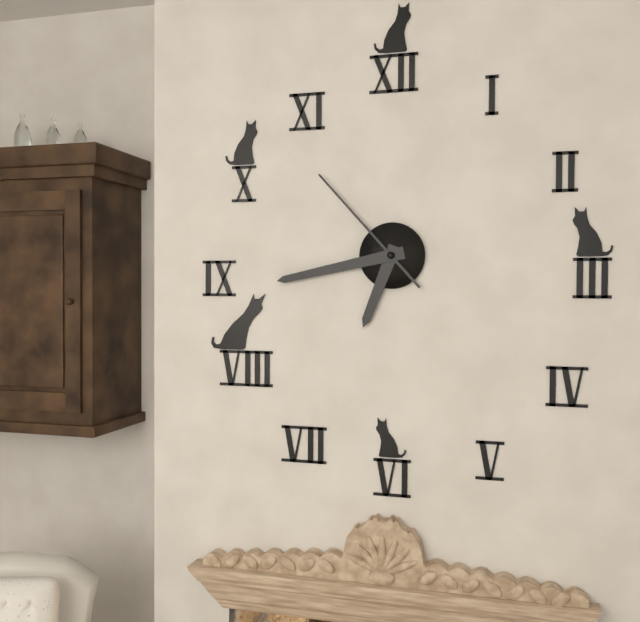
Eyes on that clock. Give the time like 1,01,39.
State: 6,43,53
